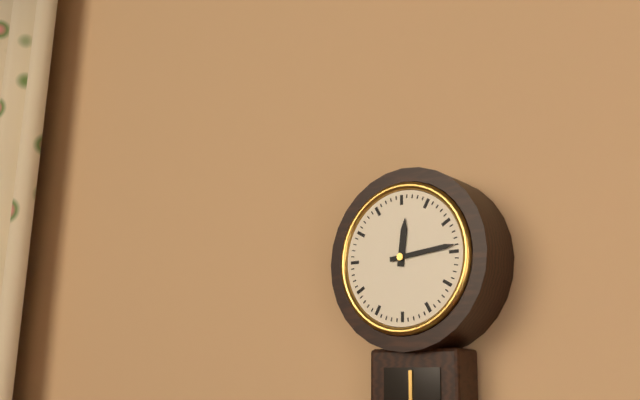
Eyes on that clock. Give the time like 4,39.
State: 12,14
